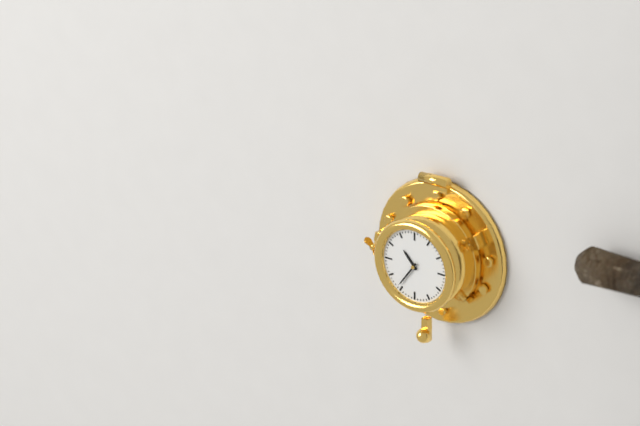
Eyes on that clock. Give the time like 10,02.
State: 10,36
